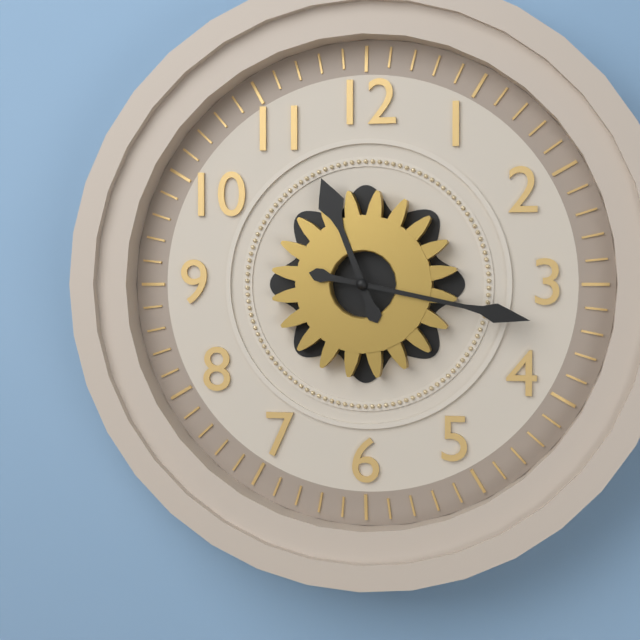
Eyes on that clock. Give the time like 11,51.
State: 11,17
